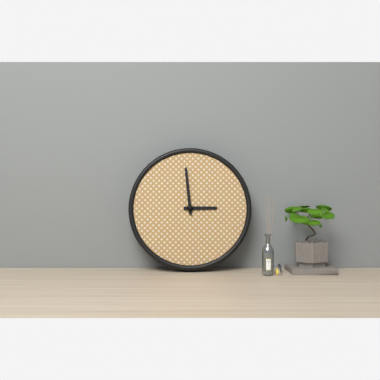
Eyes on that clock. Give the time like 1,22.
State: 2,59
